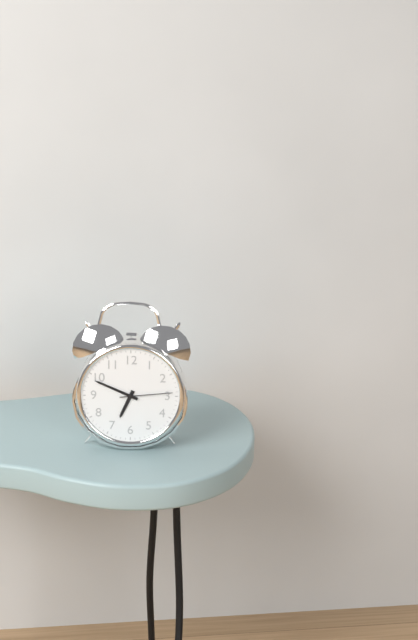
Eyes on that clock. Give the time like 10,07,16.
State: 6,49,14
